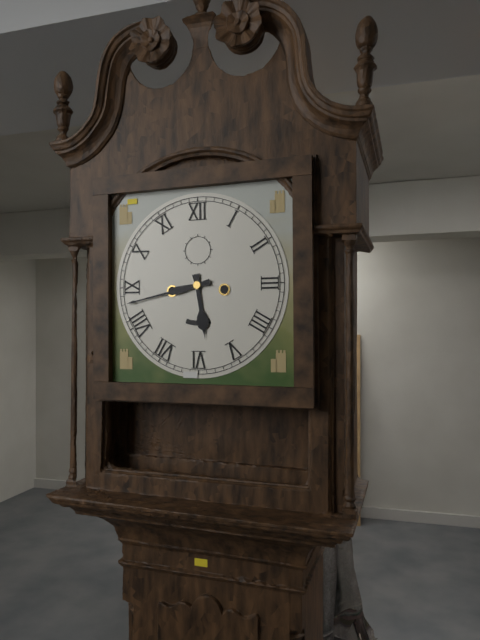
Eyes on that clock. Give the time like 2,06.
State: 5,43
